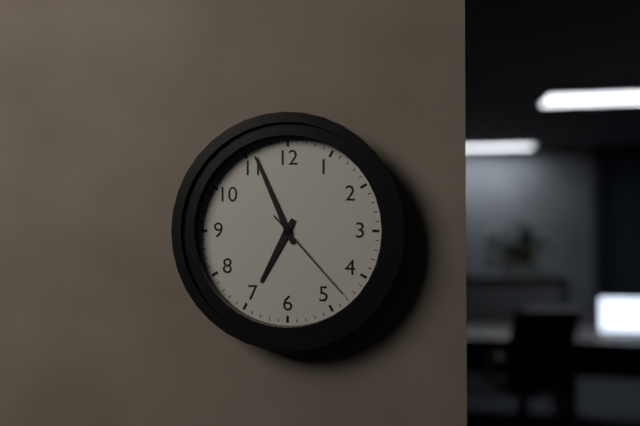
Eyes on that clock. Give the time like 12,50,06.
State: 6,56,23
